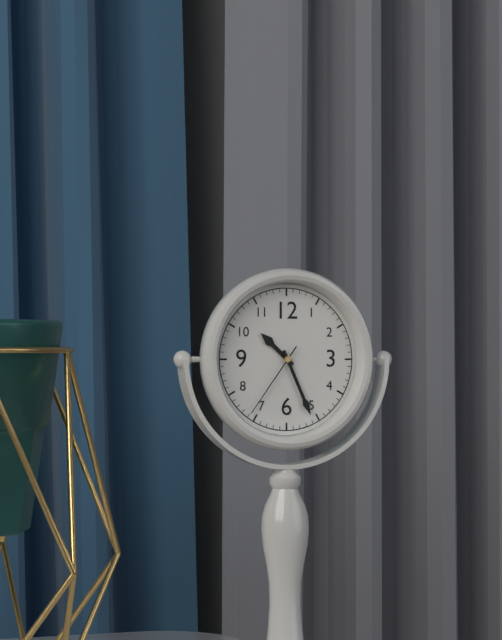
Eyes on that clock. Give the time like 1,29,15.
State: 10,26,36
